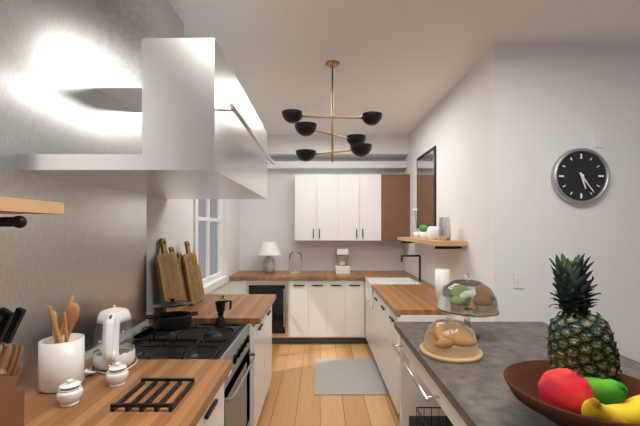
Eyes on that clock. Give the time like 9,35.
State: 5,24
